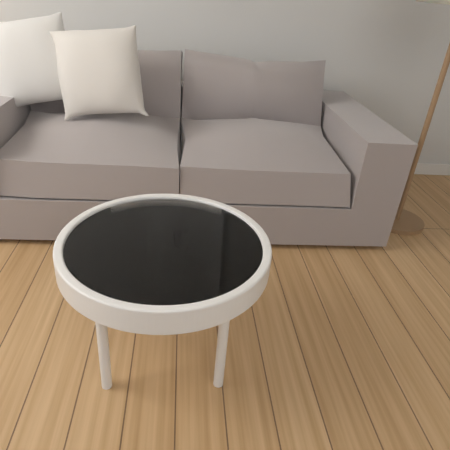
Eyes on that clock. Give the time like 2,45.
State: 5,08
